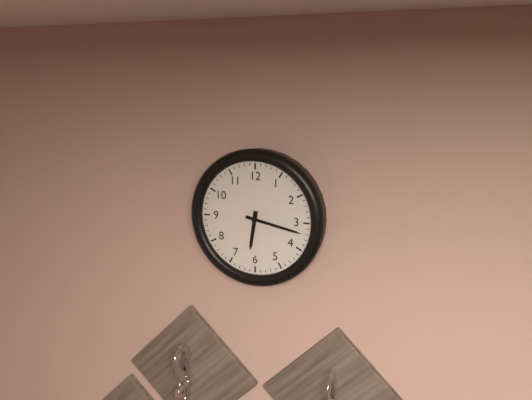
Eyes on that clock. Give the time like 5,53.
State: 6,17
